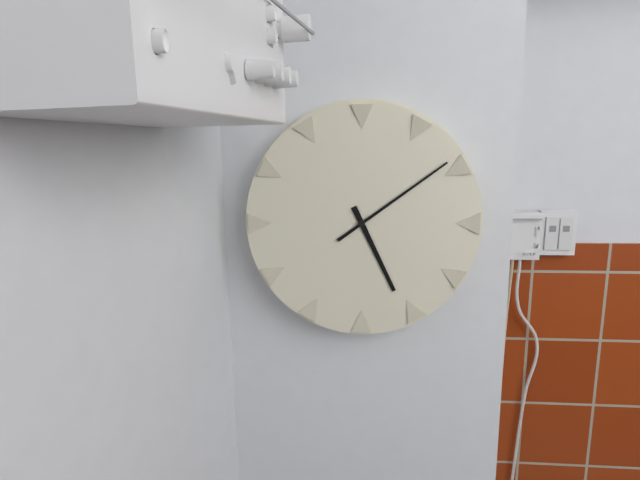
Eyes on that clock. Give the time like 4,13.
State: 5,09
